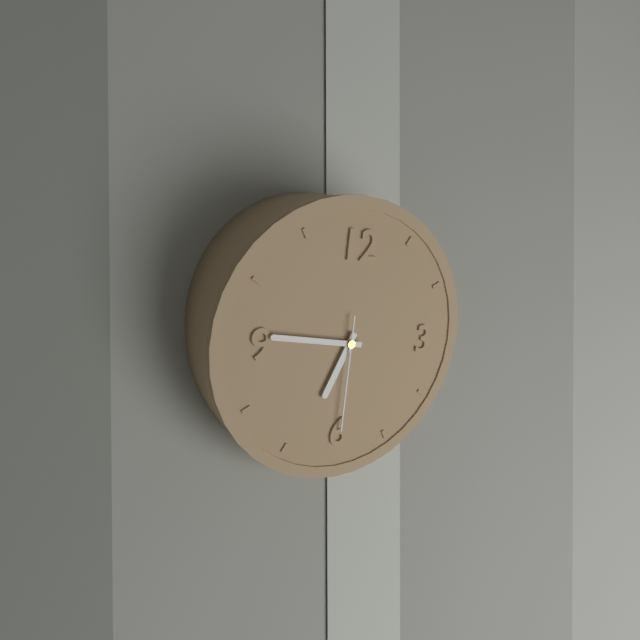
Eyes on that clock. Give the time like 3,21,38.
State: 6,46,30
